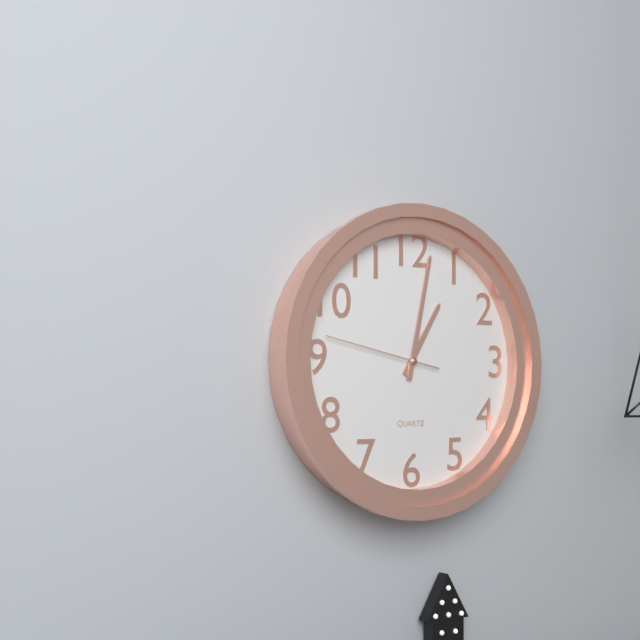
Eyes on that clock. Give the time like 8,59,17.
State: 1,02,47
